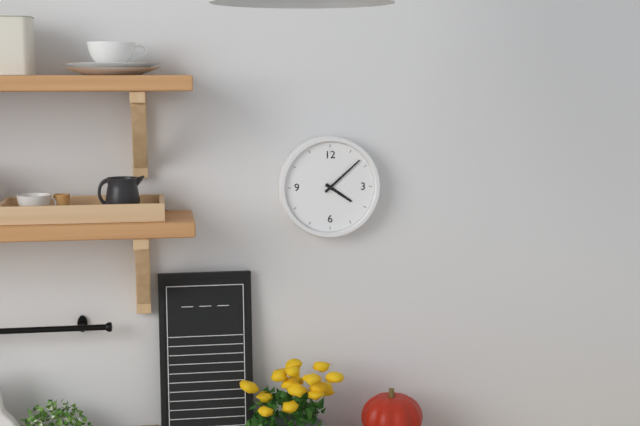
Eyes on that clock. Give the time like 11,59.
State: 4,08
